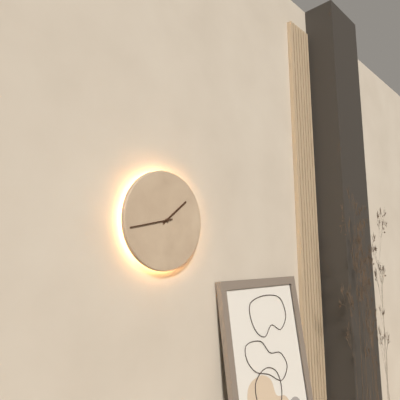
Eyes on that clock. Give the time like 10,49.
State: 1,43
